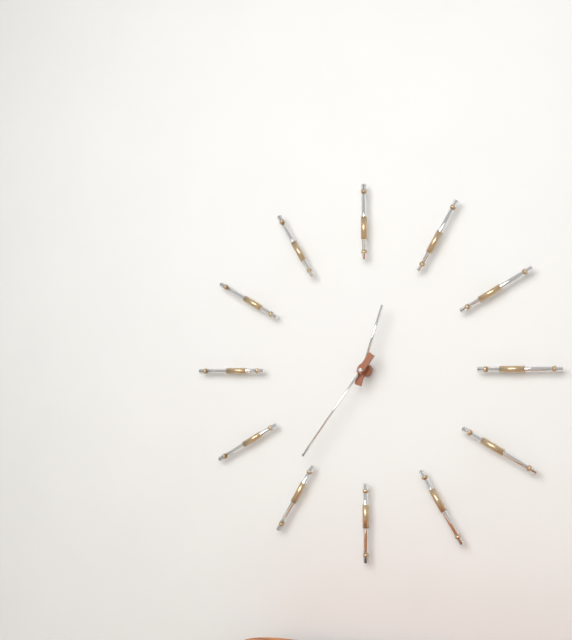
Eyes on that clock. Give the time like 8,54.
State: 12,36
